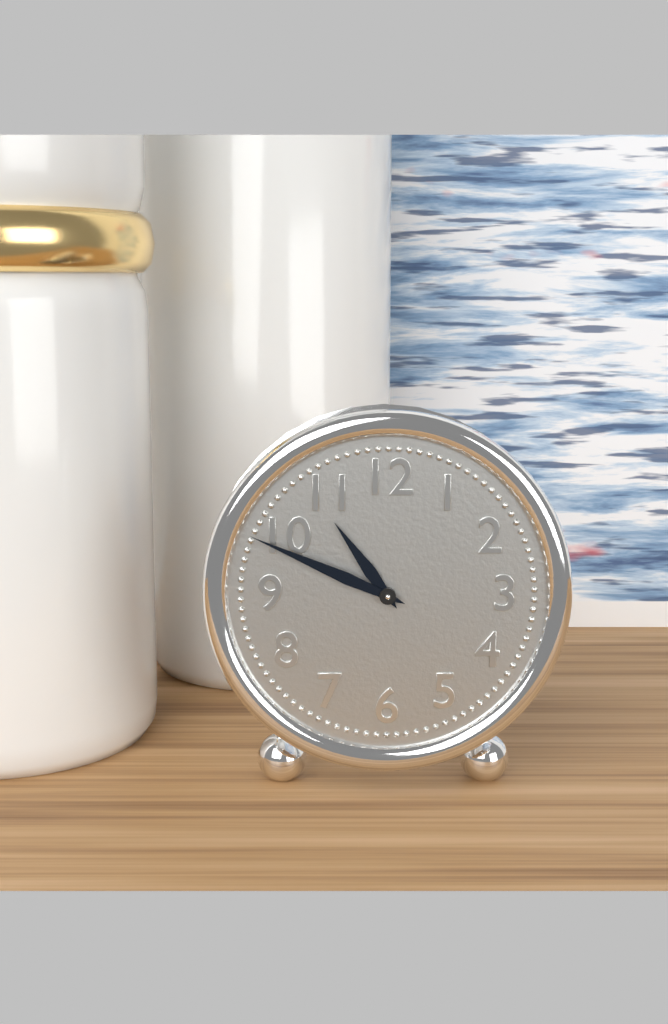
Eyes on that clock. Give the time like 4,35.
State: 10,49
